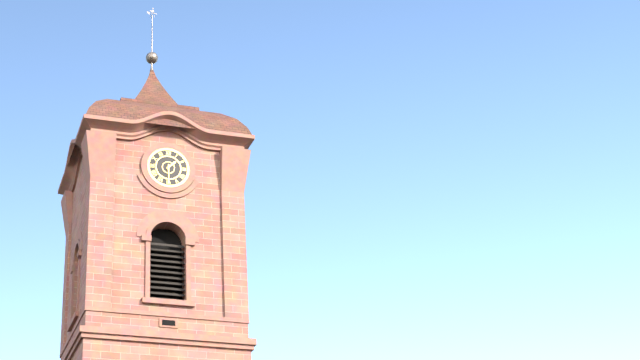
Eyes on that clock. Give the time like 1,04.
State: 1,30
